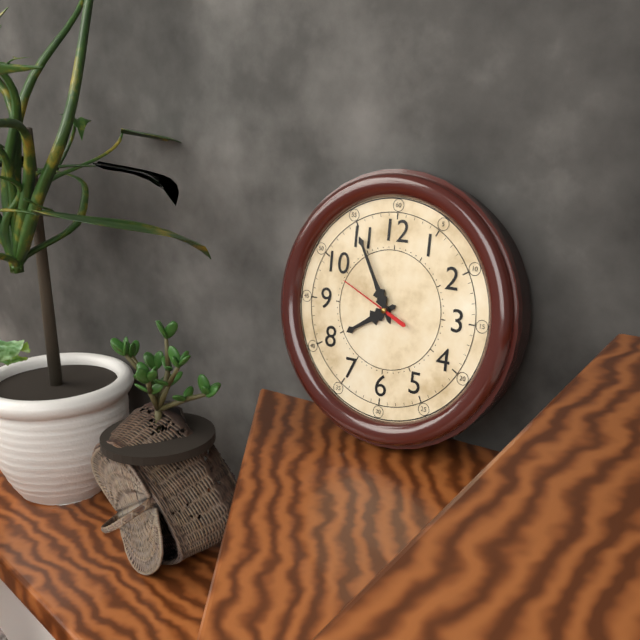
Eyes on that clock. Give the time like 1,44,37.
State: 7,55,49
